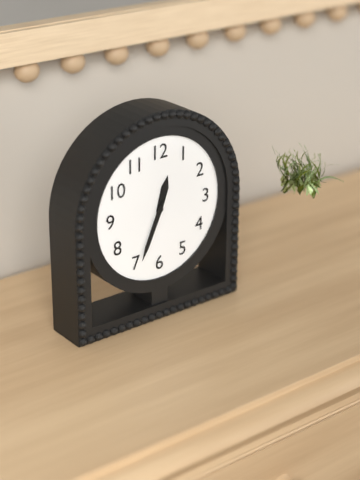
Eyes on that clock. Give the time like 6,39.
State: 12,34
